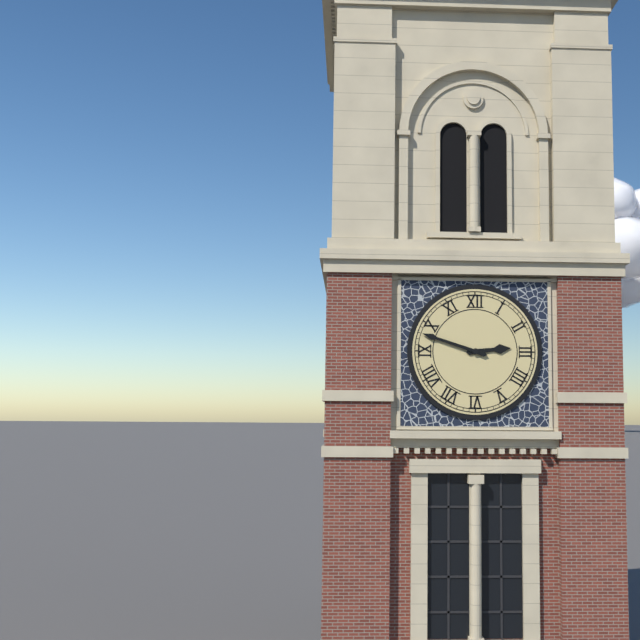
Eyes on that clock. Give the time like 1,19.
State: 2,48
